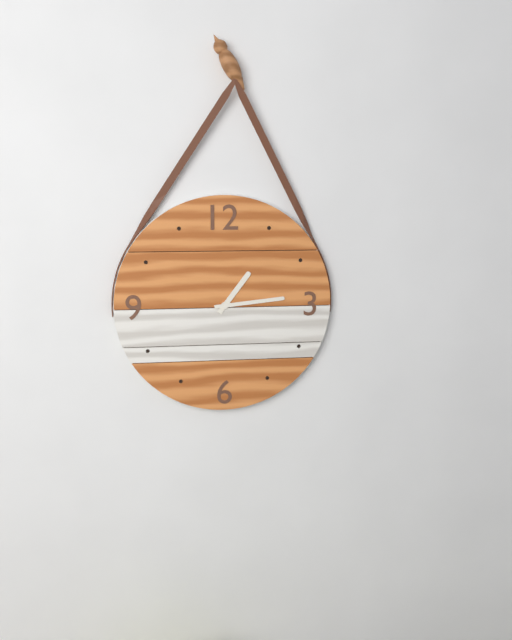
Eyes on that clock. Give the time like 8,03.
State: 1,14
